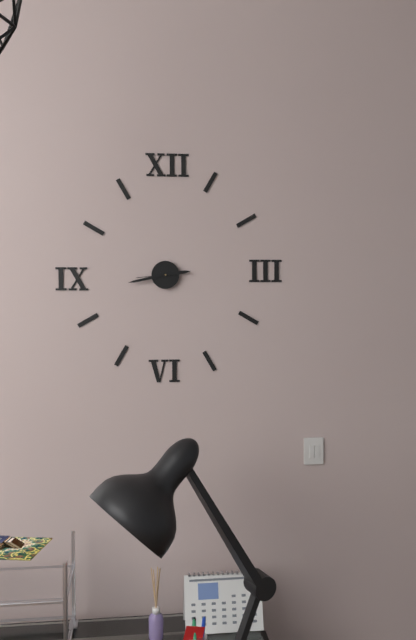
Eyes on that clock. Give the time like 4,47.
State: 2,43
